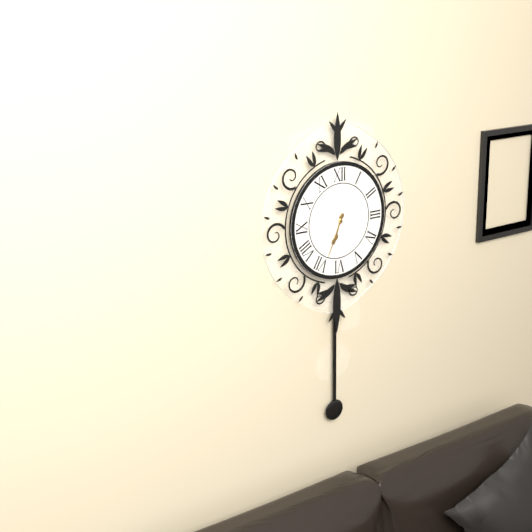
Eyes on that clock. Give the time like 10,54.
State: 6,34
